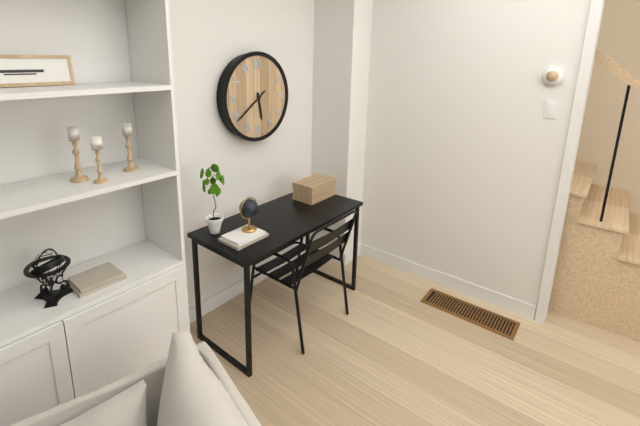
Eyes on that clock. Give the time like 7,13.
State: 5,39
